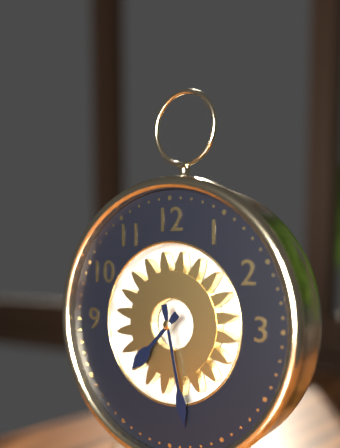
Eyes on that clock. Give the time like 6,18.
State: 7,28
